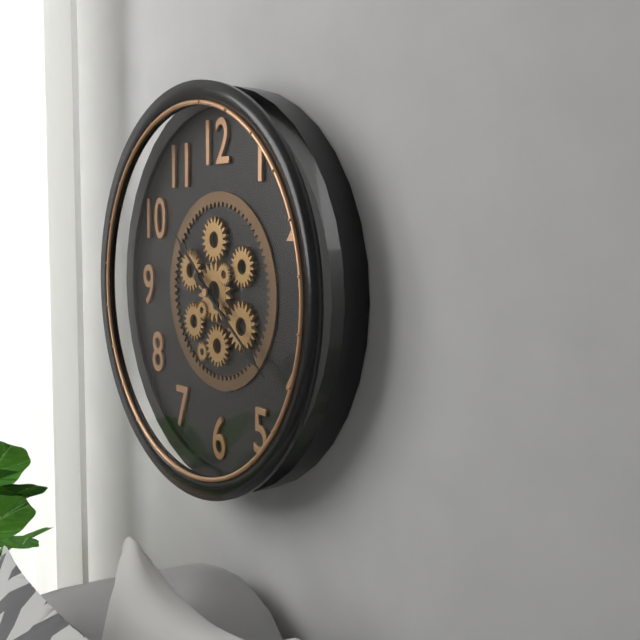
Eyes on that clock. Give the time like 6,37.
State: 10,21
